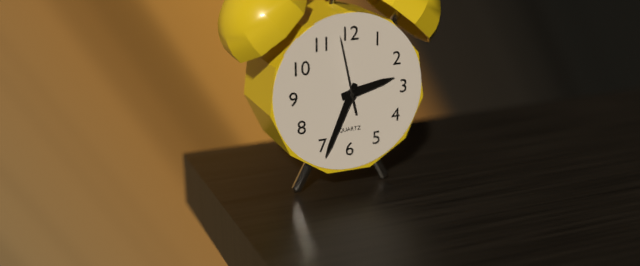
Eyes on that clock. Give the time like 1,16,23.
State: 2,34,58
